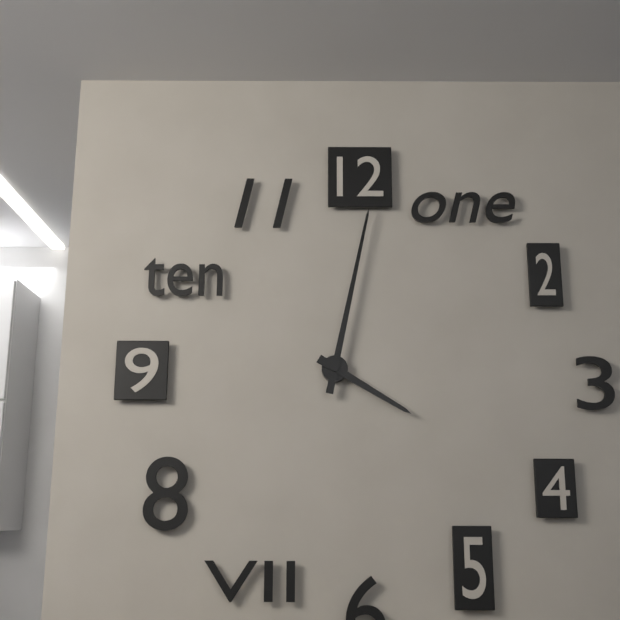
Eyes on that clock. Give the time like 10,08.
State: 4,02
